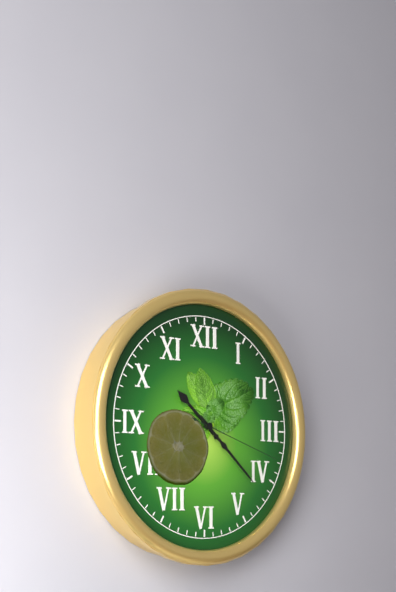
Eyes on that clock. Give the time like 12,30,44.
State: 10,22,18
